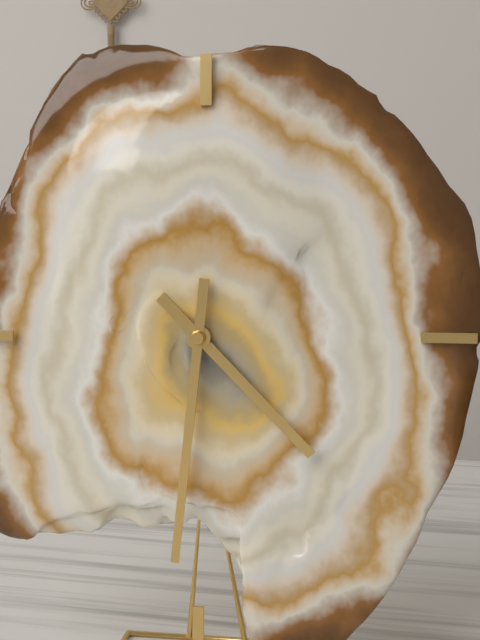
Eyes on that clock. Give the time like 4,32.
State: 4,31
